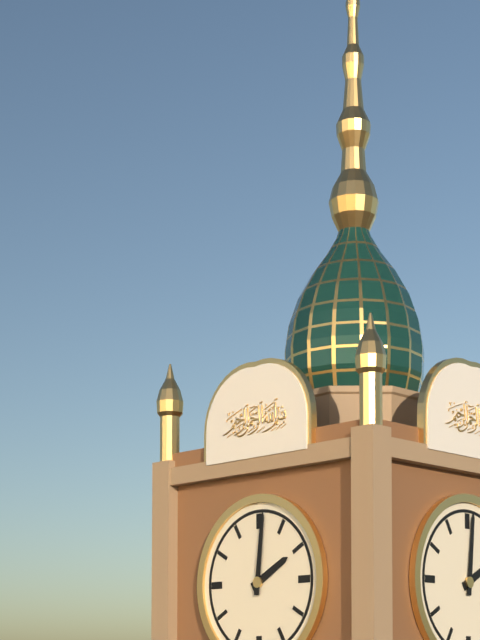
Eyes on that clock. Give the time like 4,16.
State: 2,01
